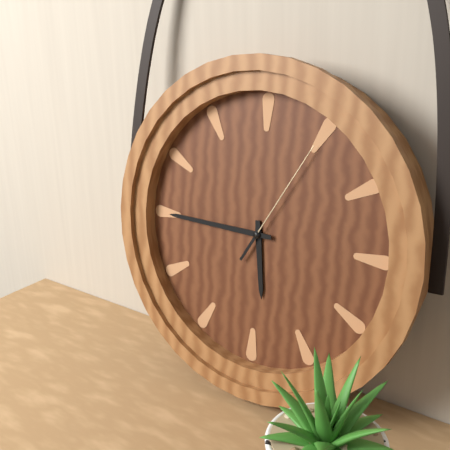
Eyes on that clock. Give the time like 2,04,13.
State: 5,45,05
